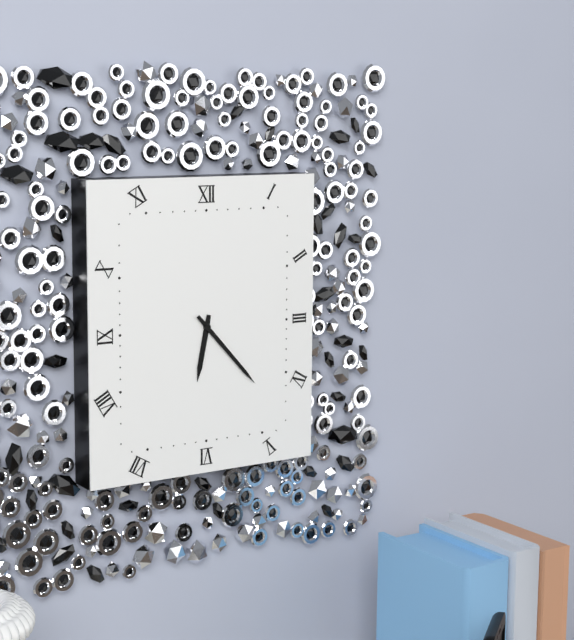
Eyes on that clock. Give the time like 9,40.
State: 6,23
